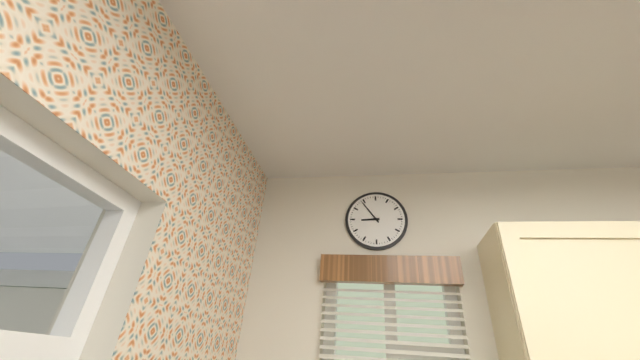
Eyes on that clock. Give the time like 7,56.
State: 8,54
